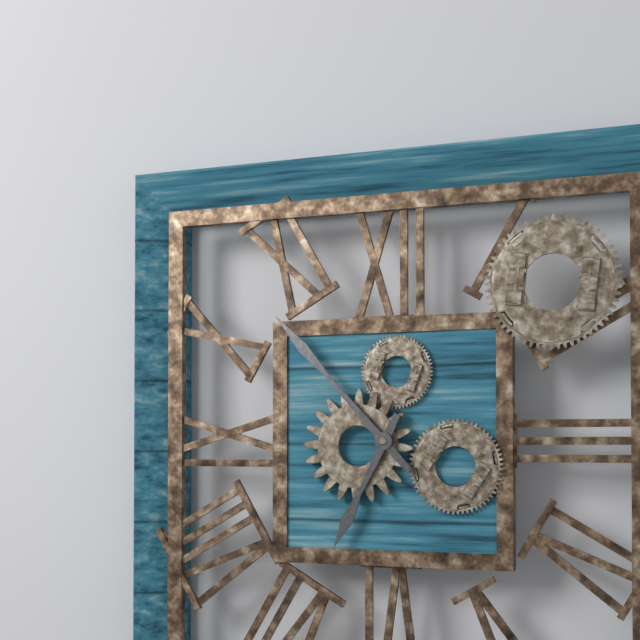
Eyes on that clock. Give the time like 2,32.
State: 6,53
